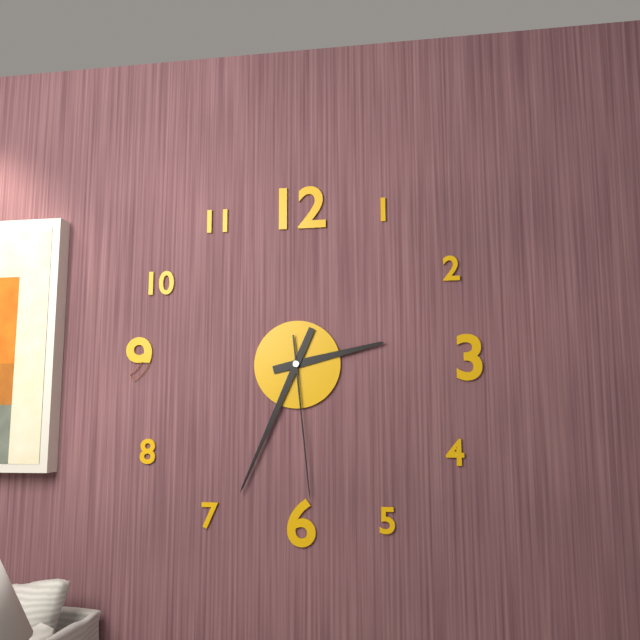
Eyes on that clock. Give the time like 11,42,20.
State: 2,34,29
